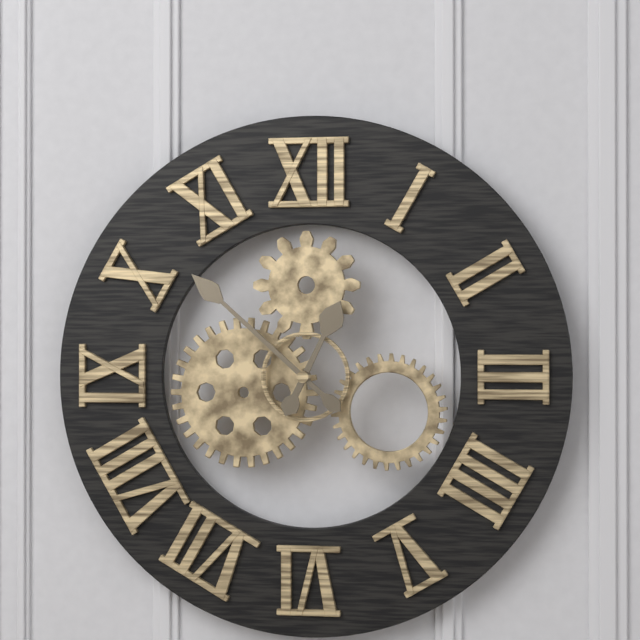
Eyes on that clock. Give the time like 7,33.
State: 12,52
